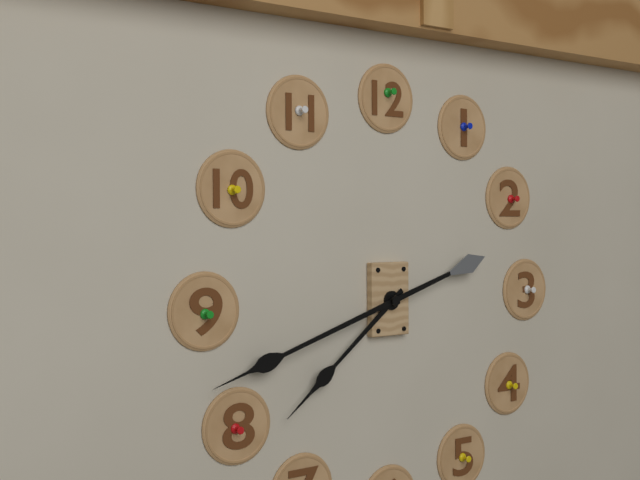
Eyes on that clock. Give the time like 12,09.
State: 7,42
